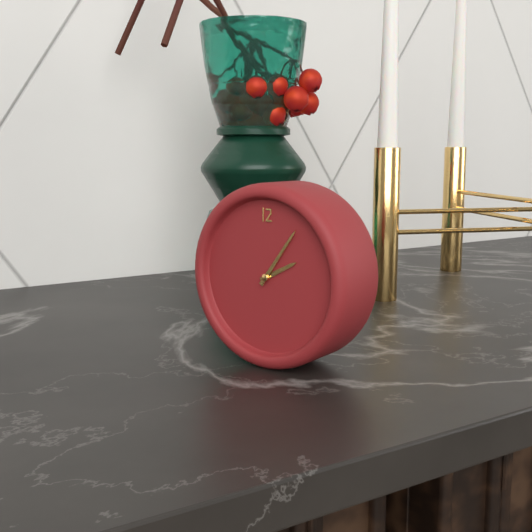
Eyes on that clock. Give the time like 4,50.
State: 2,06
